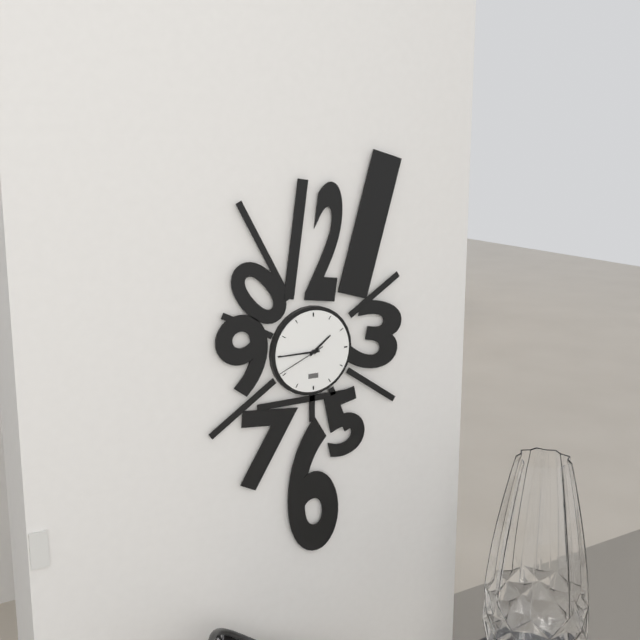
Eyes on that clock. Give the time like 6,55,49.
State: 1,45,41
